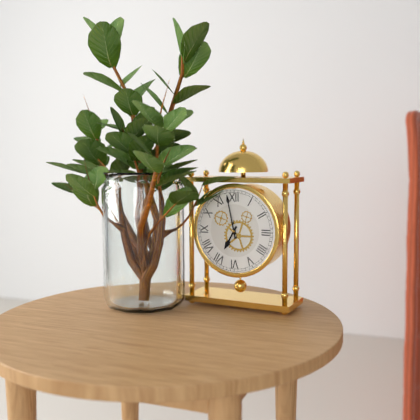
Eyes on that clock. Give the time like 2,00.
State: 6,58
